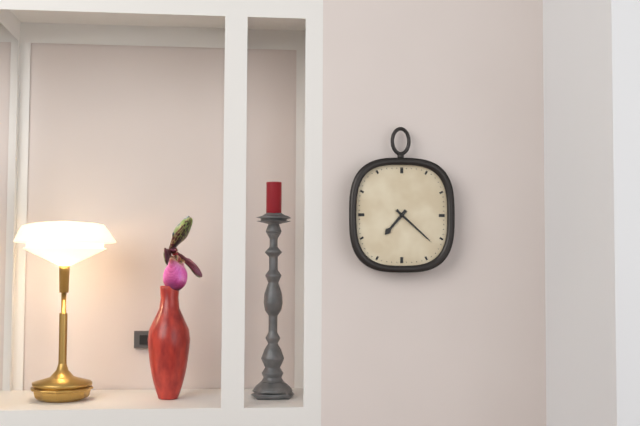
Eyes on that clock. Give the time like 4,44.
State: 7,22
